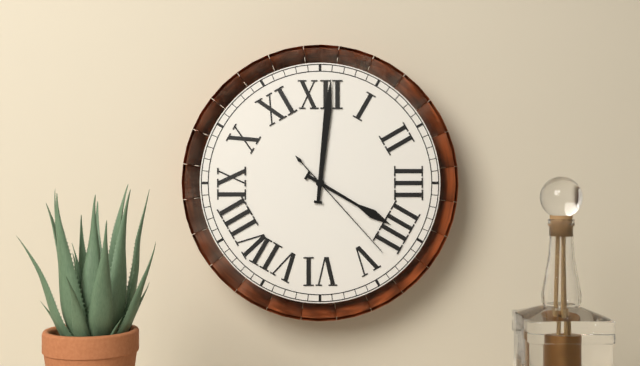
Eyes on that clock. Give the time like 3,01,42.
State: 4,01,23
